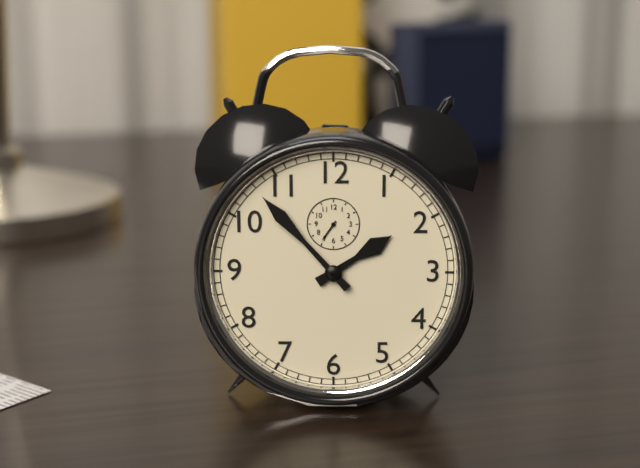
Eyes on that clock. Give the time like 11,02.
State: 1,53
